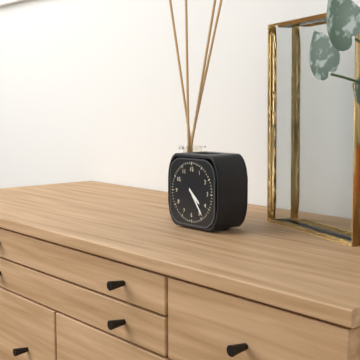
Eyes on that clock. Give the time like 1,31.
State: 4,24
